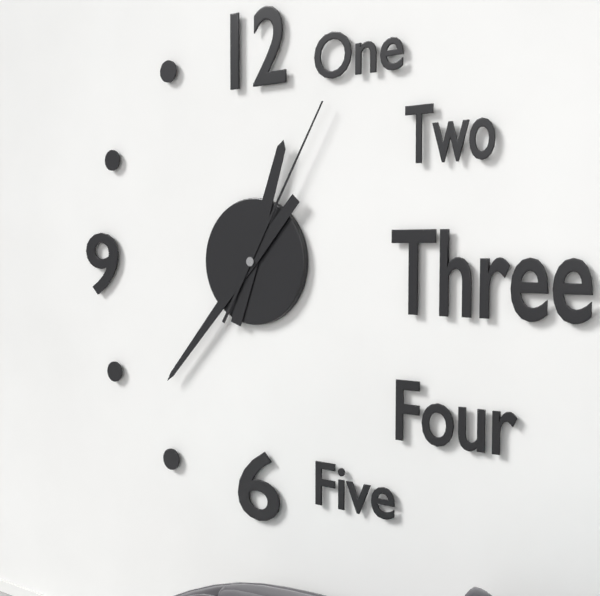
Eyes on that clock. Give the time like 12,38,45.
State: 12,37,05
